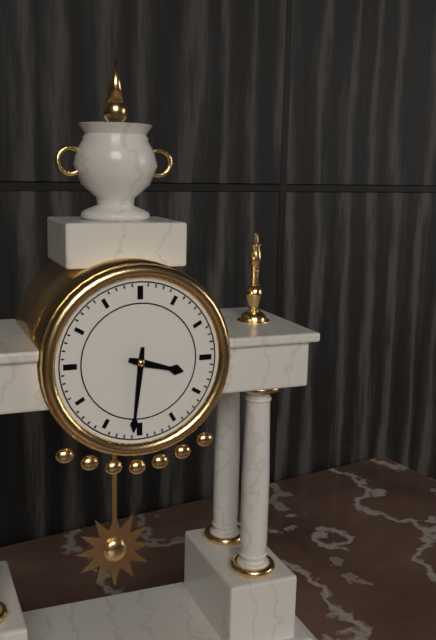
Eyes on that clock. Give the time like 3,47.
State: 3,31
